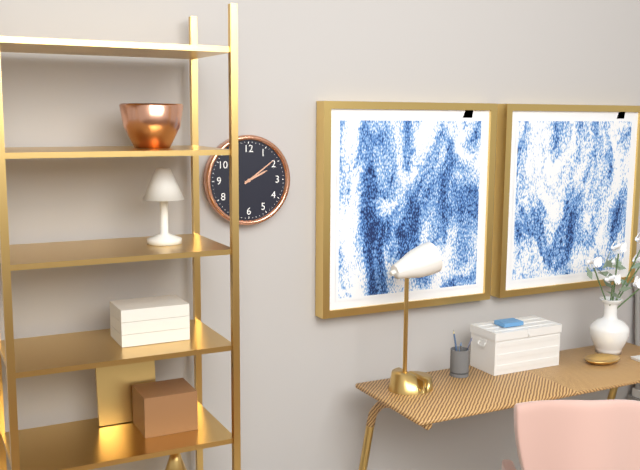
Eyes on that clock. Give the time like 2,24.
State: 2,09
